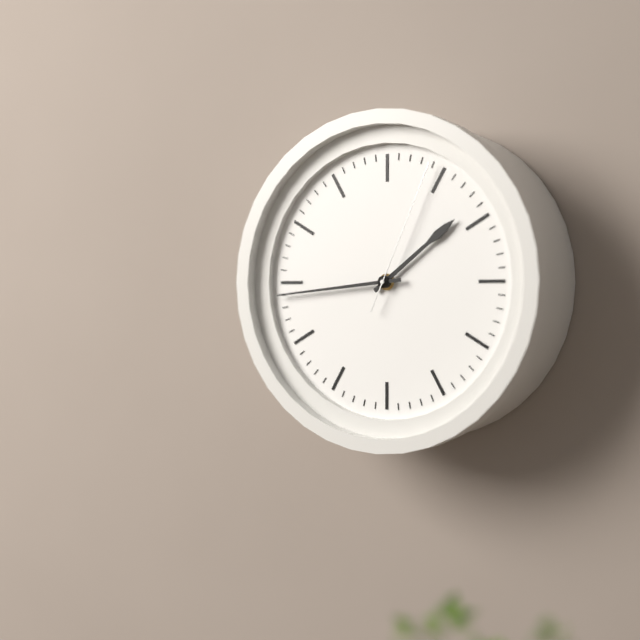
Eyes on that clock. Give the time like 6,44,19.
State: 1,44,04
